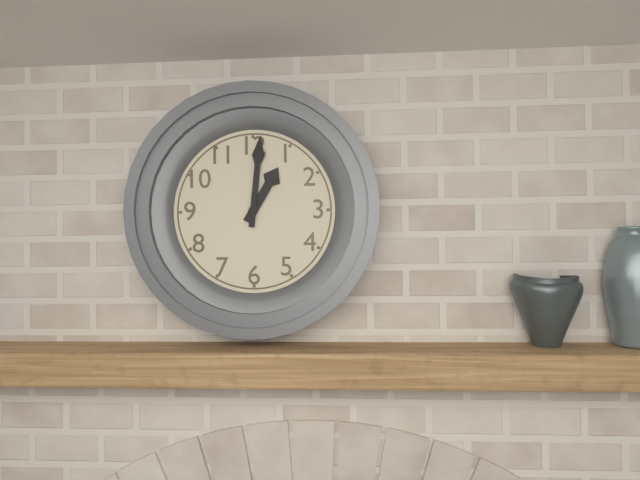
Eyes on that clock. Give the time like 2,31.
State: 1,01
